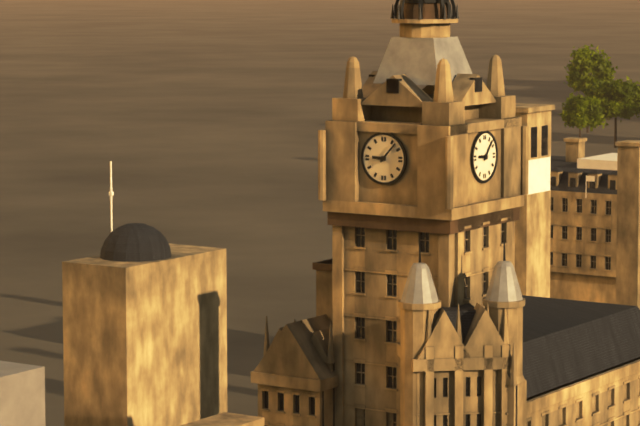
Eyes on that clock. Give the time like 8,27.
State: 9,07
